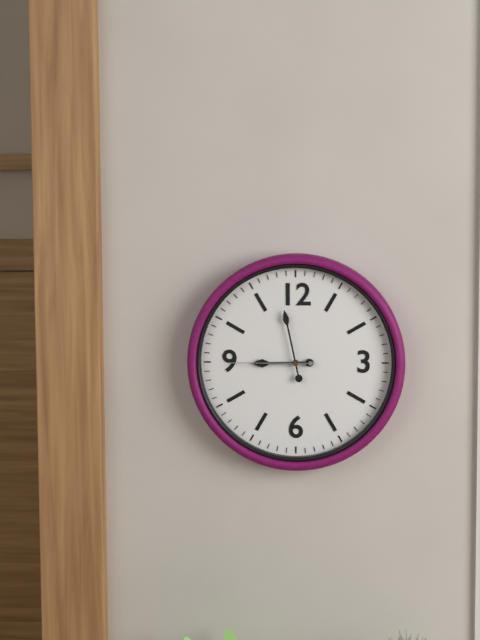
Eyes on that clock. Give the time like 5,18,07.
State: 8,58,45
